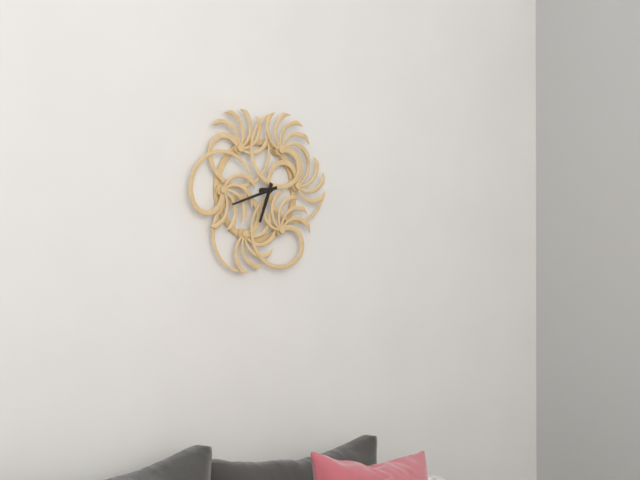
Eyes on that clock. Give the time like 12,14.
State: 6,42
